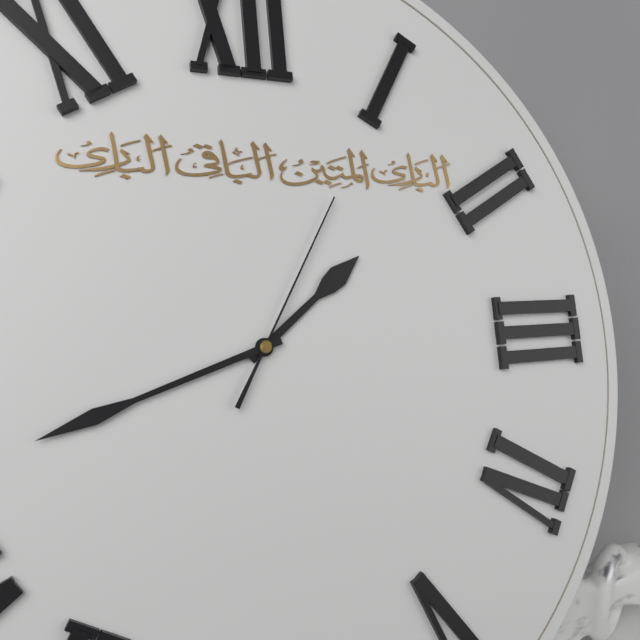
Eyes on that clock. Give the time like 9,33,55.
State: 1,42,05
